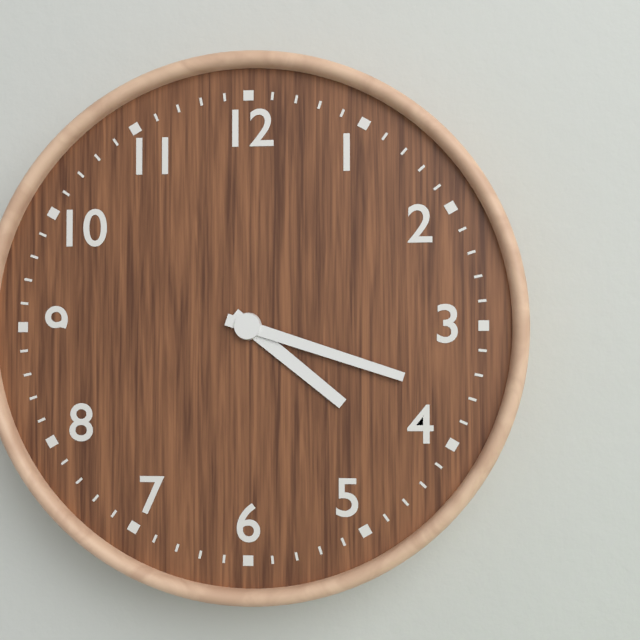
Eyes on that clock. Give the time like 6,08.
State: 4,18
